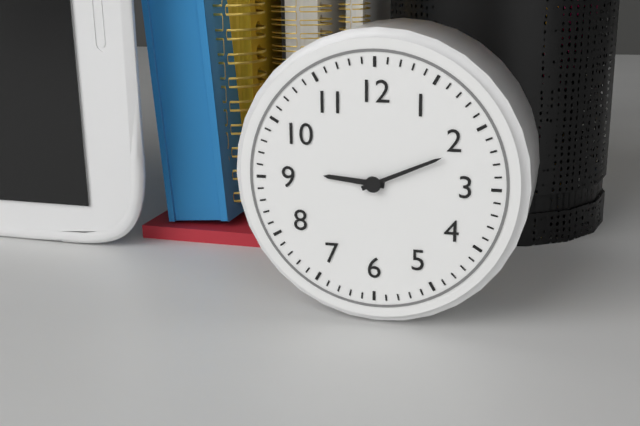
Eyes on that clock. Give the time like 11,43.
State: 9,11
